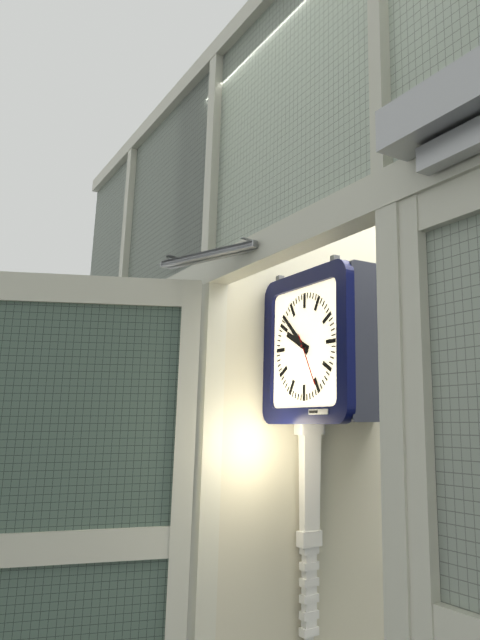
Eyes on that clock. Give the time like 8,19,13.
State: 9,52,25
